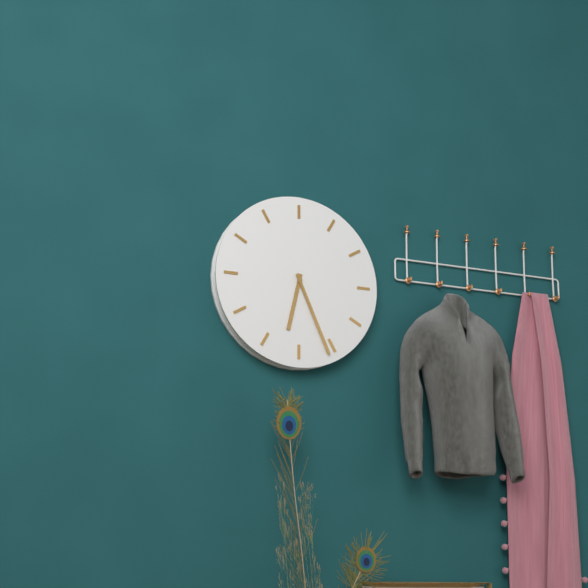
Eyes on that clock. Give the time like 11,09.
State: 6,26
